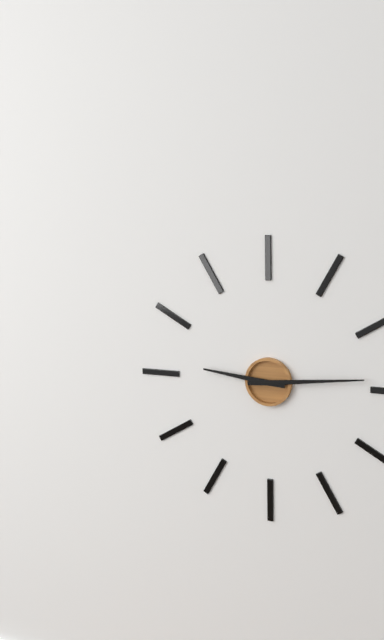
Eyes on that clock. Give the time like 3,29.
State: 9,14
